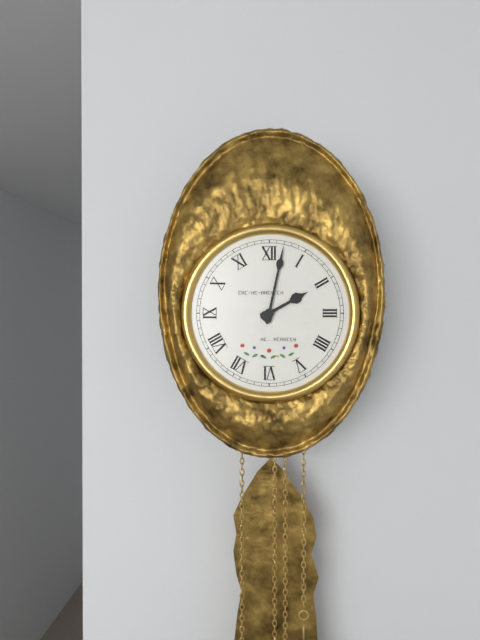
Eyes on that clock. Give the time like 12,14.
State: 2,02
